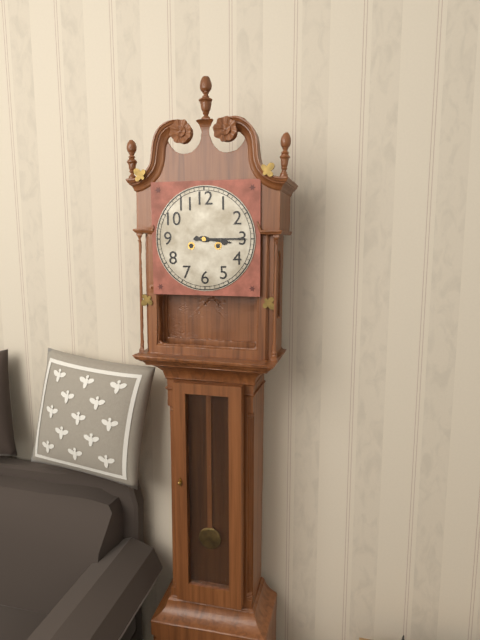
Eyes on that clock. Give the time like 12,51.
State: 3,15
